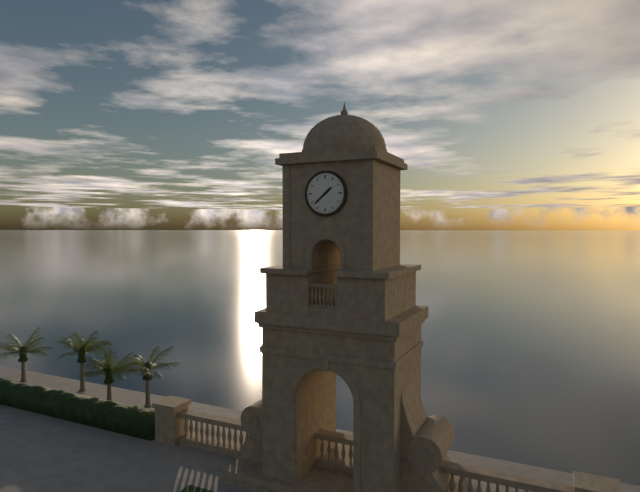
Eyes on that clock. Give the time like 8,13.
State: 1,38
